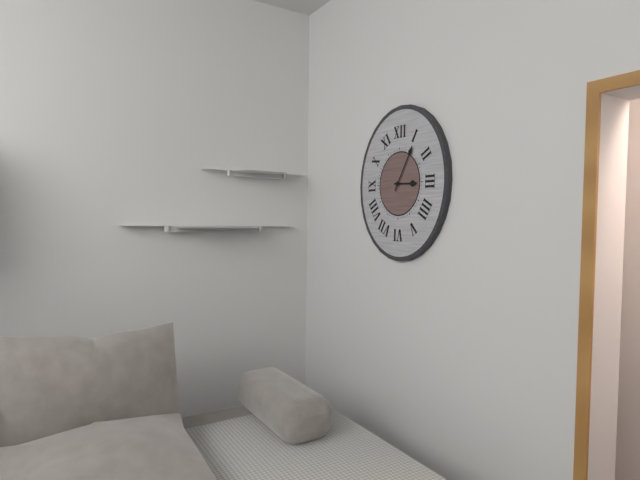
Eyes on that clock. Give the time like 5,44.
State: 3,05
